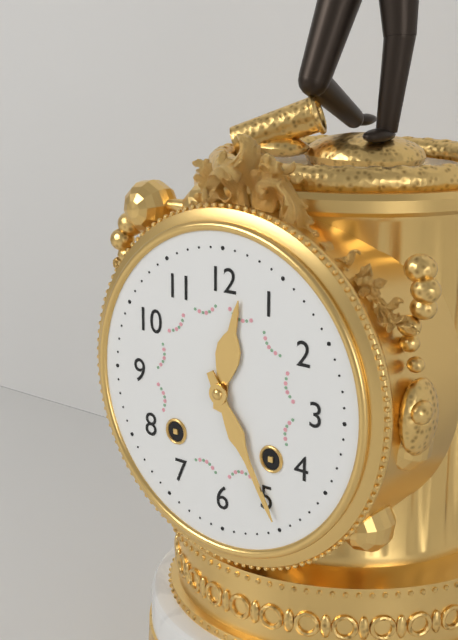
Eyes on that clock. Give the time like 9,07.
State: 12,25
